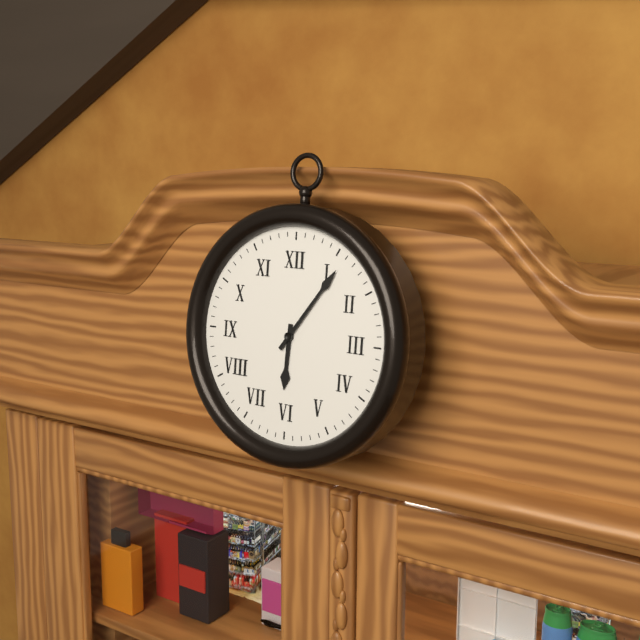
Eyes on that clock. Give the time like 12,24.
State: 6,06
